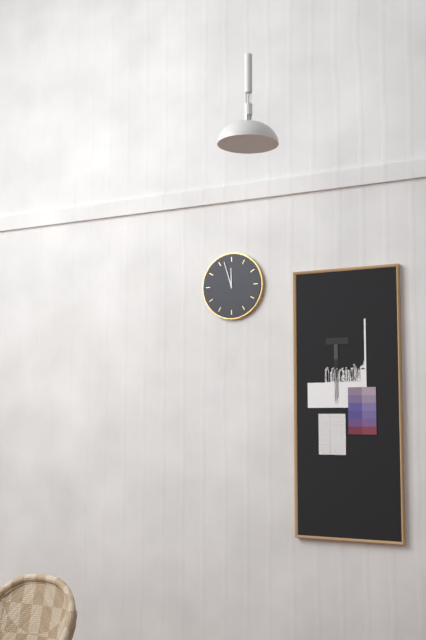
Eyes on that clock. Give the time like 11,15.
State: 11,57
